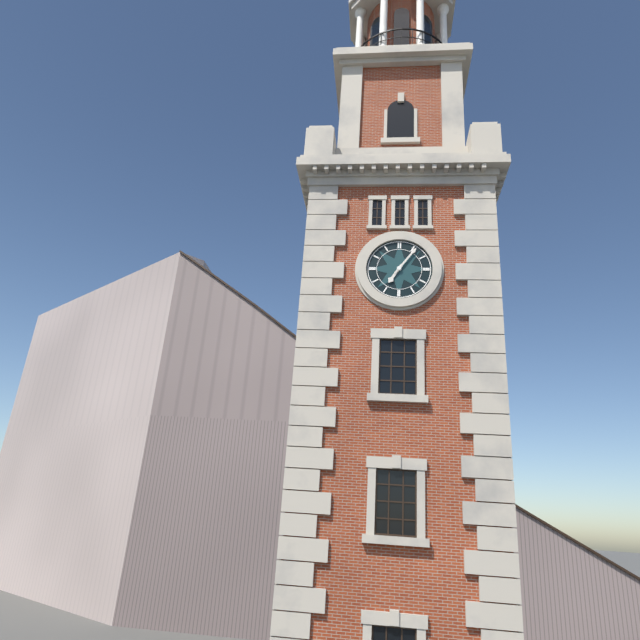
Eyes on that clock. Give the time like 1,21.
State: 7,06
